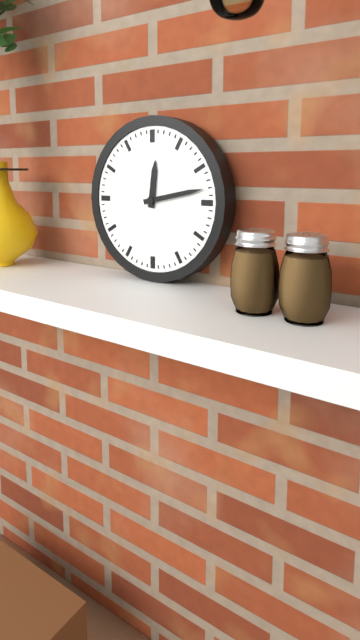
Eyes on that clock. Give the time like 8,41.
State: 12,13
